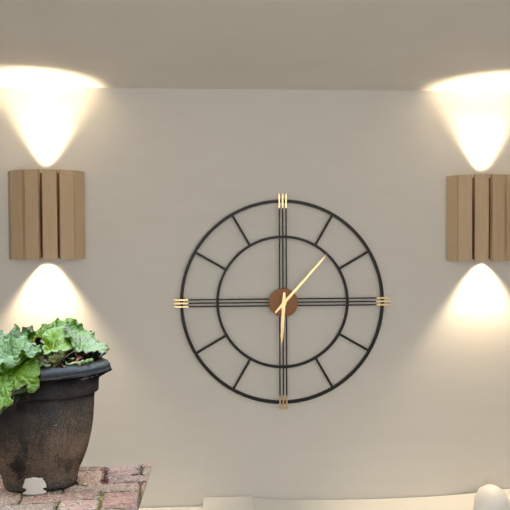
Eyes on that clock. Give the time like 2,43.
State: 6,07
